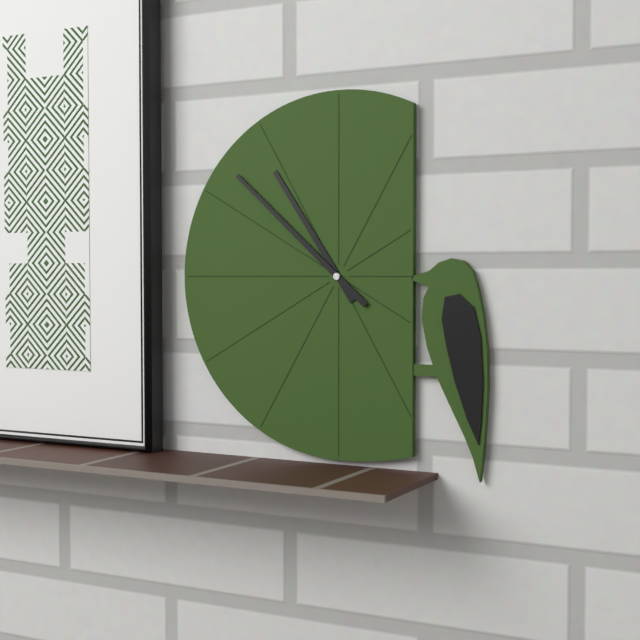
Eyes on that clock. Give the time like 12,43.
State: 10,52
